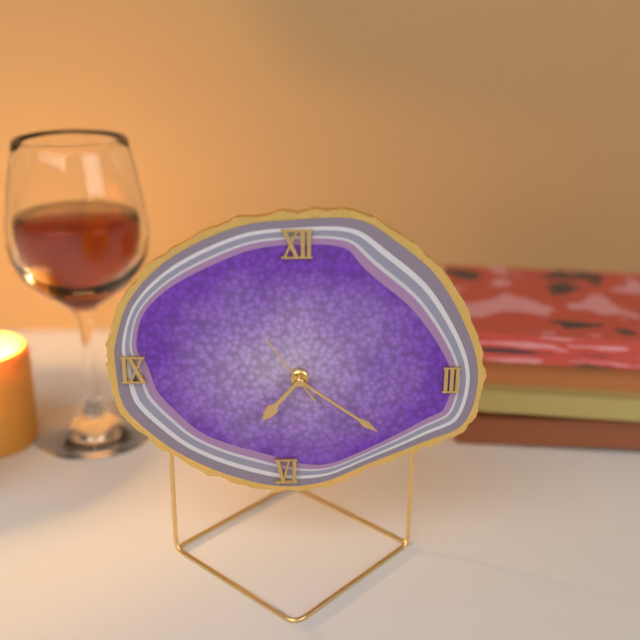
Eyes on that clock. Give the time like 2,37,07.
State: 7,21,54
